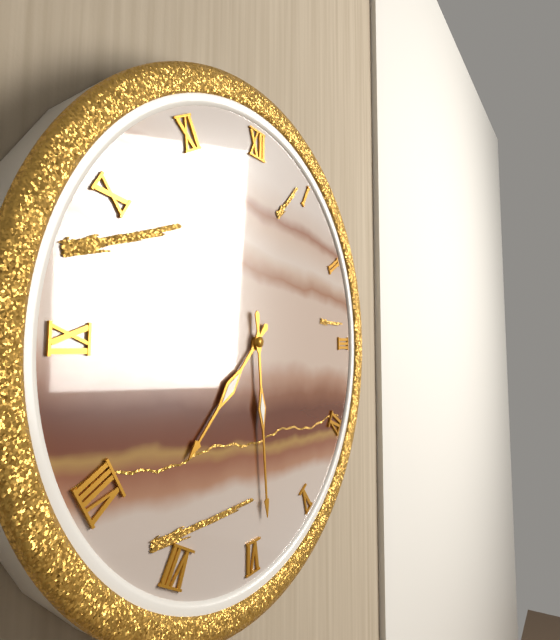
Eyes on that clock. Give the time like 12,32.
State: 7,29
